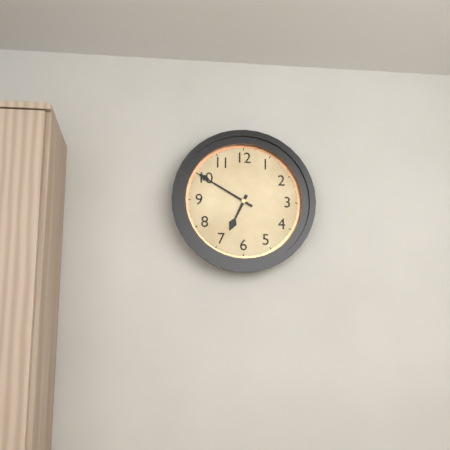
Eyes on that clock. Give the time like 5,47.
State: 6,50
